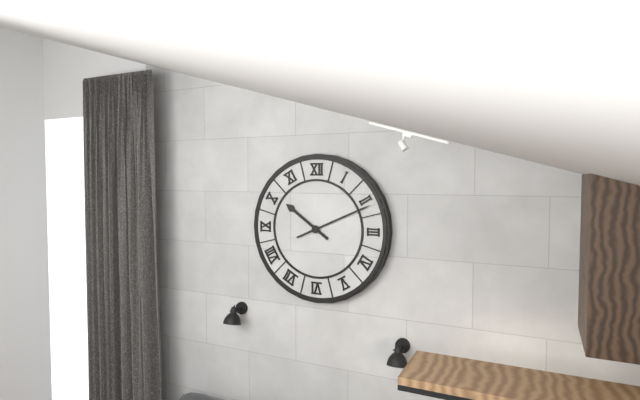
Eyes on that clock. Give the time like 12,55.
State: 10,11
